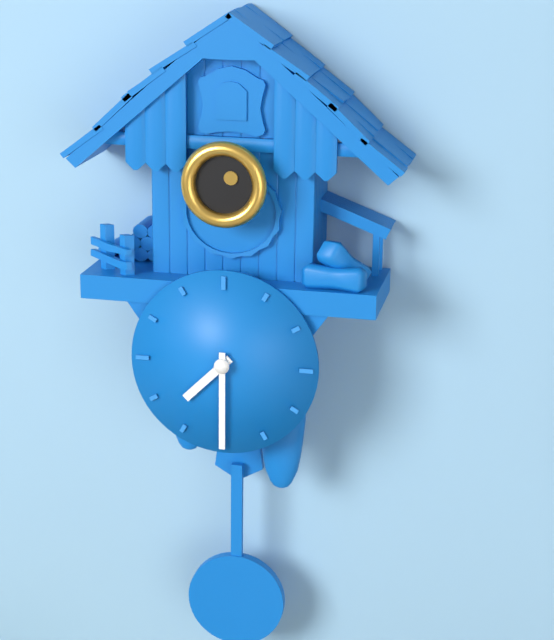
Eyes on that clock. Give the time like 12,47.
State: 7,30
